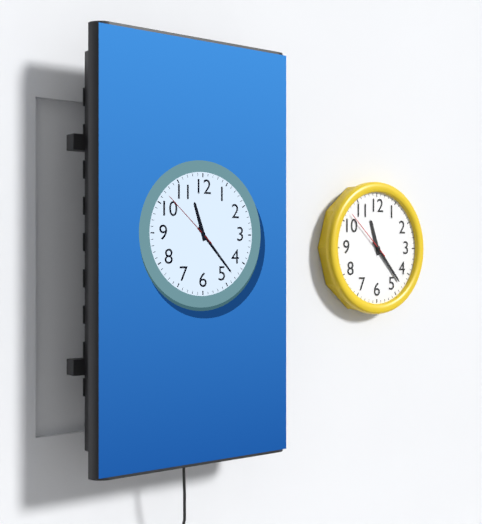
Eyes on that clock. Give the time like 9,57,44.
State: 11,23,52
